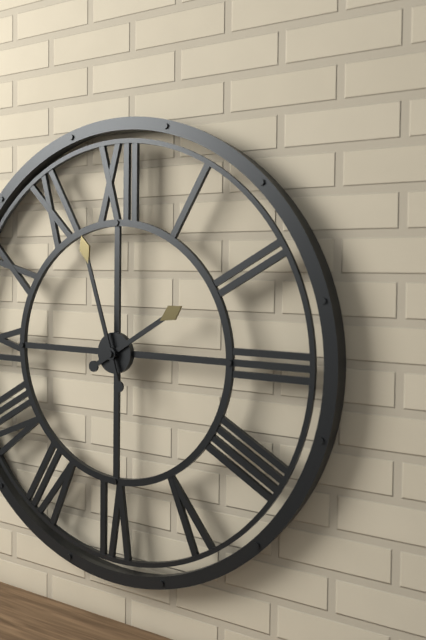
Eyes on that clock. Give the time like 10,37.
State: 1,57
